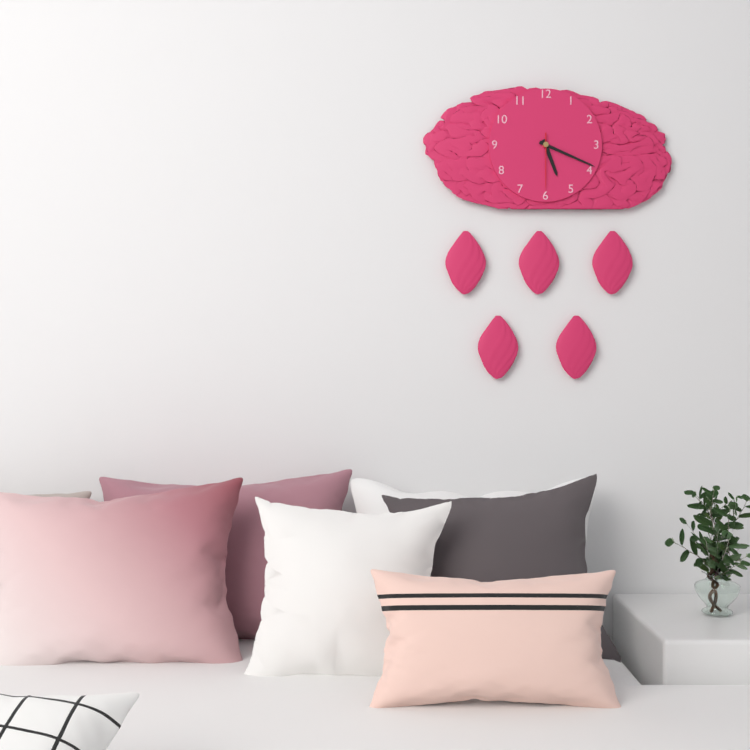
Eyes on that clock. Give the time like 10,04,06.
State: 5,19,30
